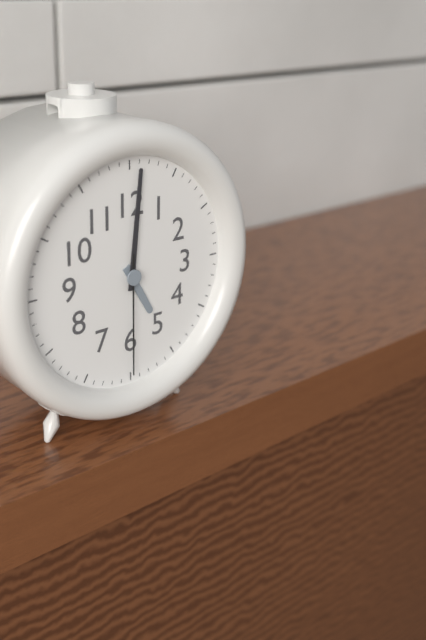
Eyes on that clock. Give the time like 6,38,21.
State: 5,01,30
